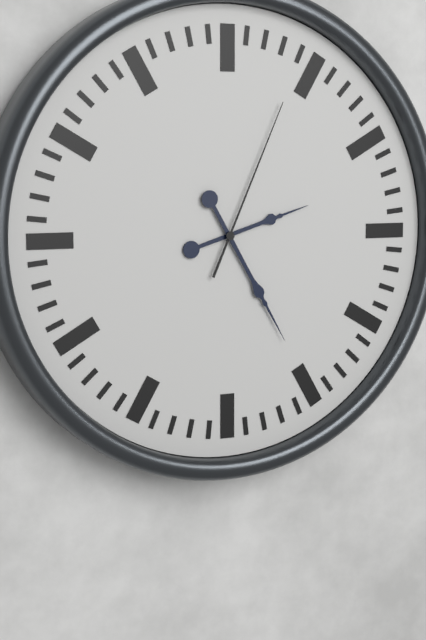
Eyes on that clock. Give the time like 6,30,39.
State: 2,25,04
